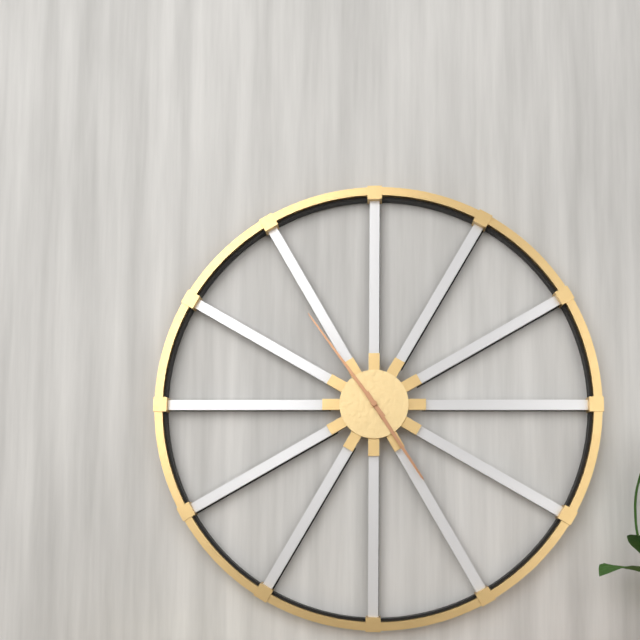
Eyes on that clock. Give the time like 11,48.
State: 4,54
